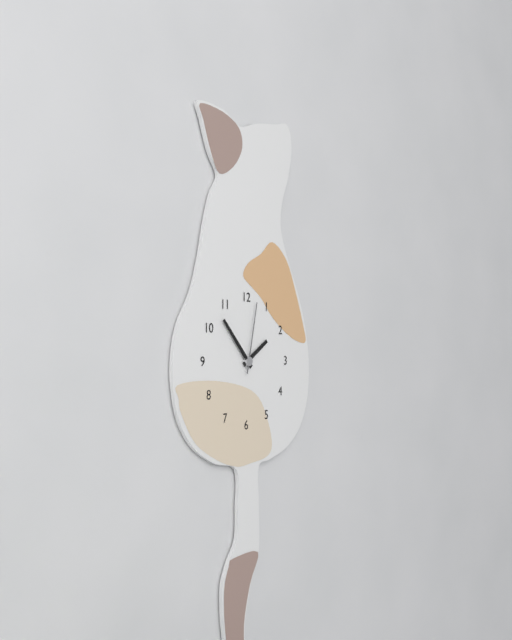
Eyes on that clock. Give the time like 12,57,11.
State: 1,53,02
